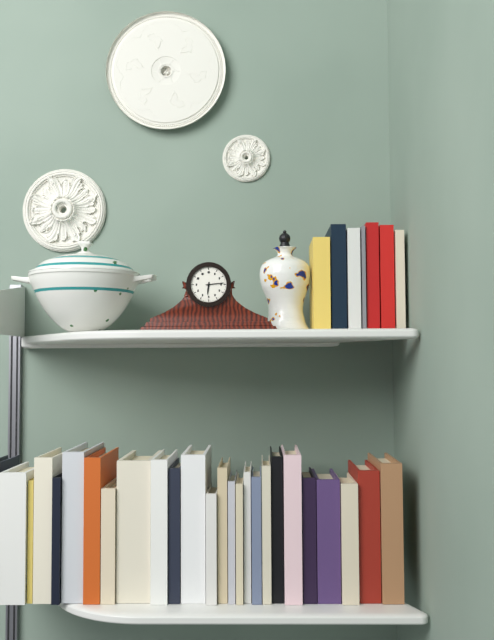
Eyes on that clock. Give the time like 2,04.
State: 6,14
